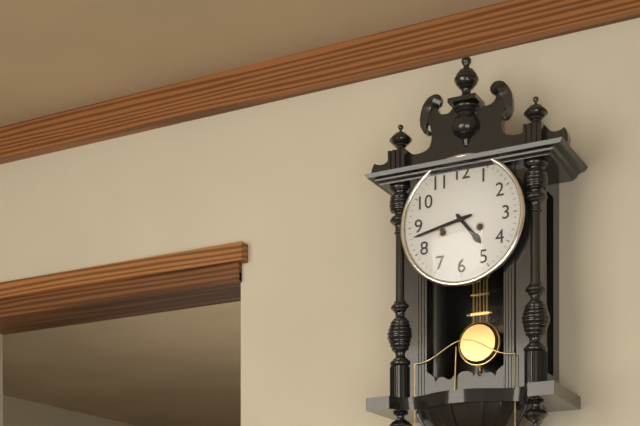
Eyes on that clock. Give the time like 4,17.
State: 4,43
